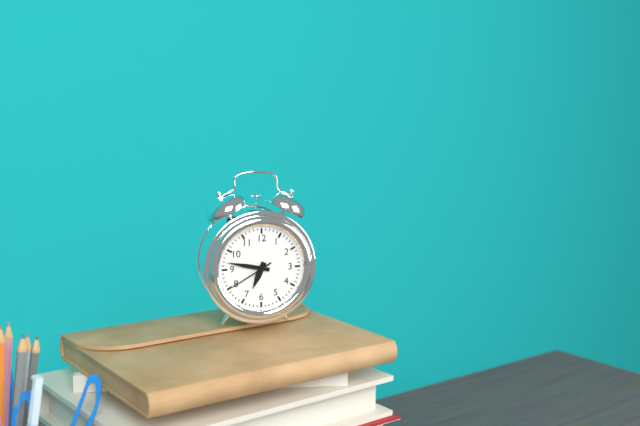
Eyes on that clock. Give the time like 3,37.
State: 6,47
